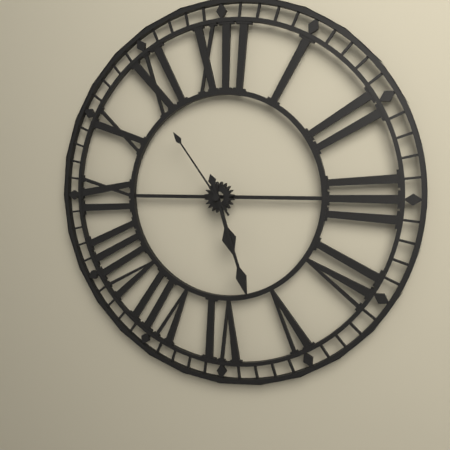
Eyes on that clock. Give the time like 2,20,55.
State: 5,27,54
